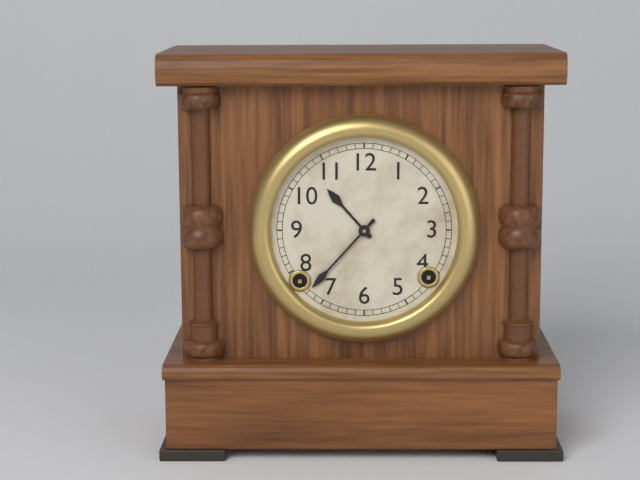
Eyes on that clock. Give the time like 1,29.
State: 10,37
